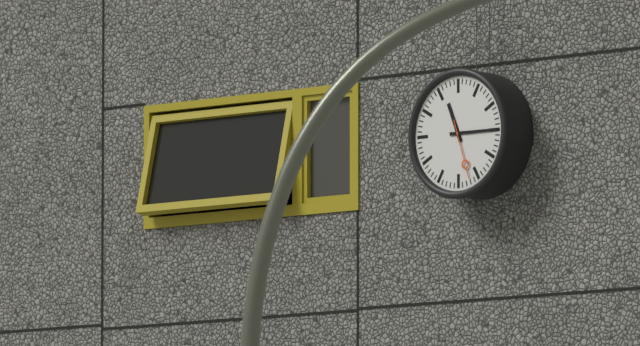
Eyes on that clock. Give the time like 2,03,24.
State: 11,15,27
